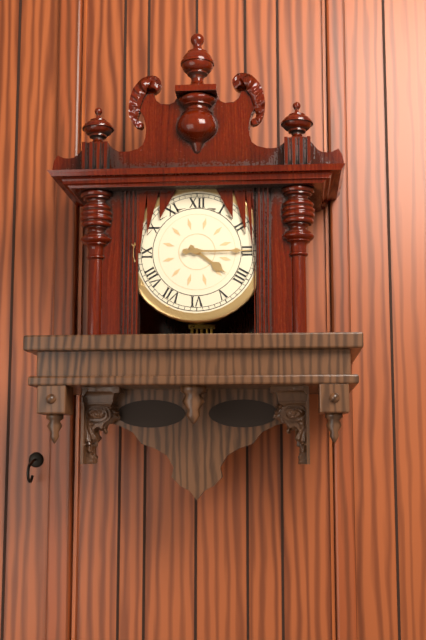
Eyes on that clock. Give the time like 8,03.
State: 4,15
